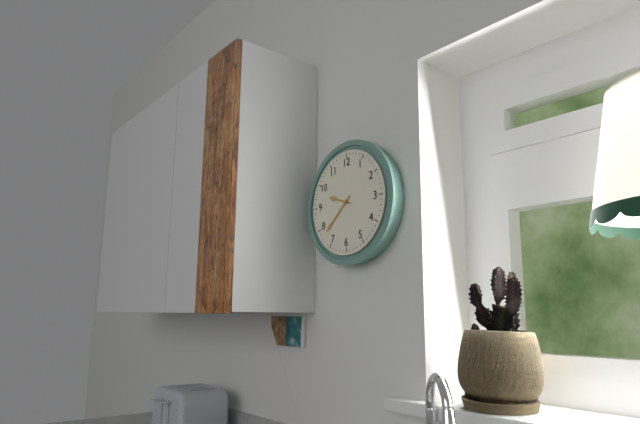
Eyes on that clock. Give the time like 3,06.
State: 9,38
